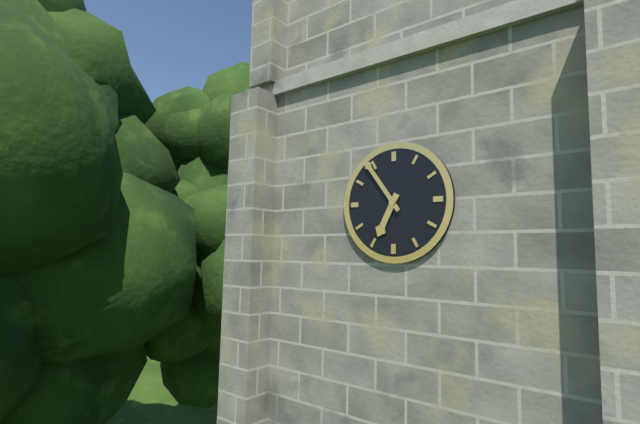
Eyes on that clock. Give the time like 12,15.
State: 6,54
